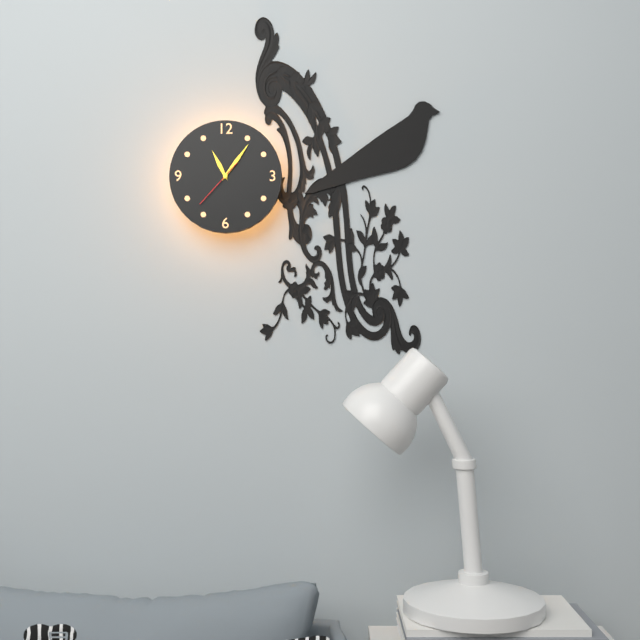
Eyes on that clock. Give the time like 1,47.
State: 11,06
